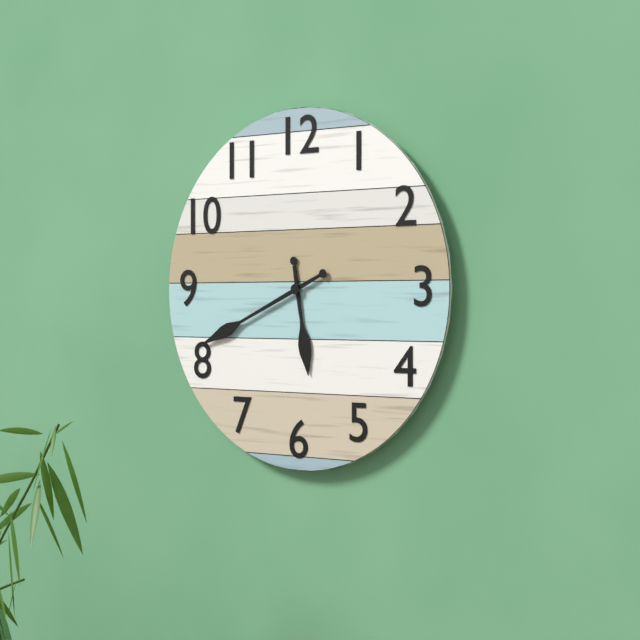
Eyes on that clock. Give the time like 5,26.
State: 5,41
